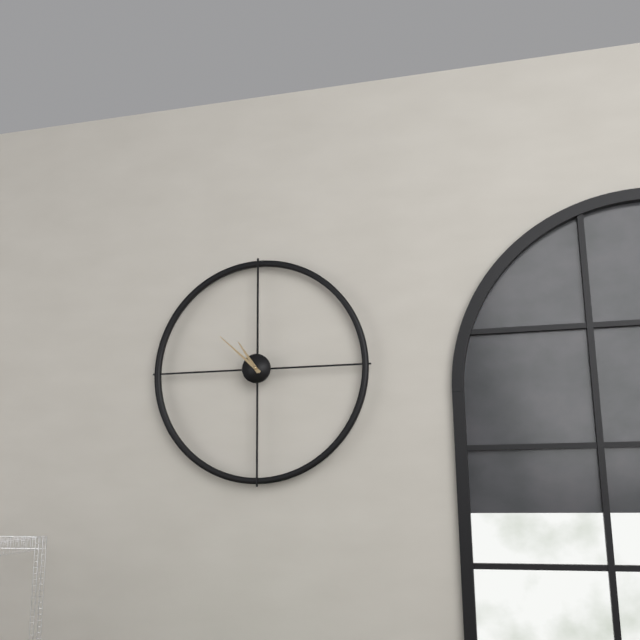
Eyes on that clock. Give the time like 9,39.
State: 10,52
